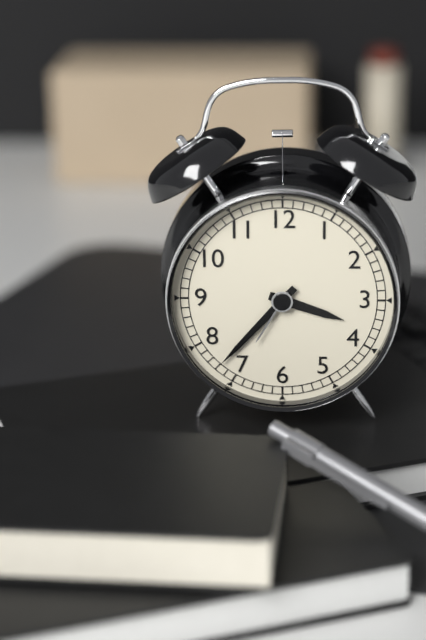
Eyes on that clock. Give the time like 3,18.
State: 3,37
